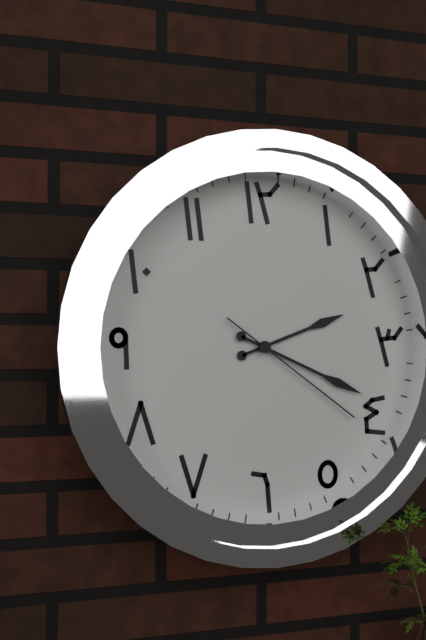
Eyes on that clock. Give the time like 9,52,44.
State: 2,19,21
